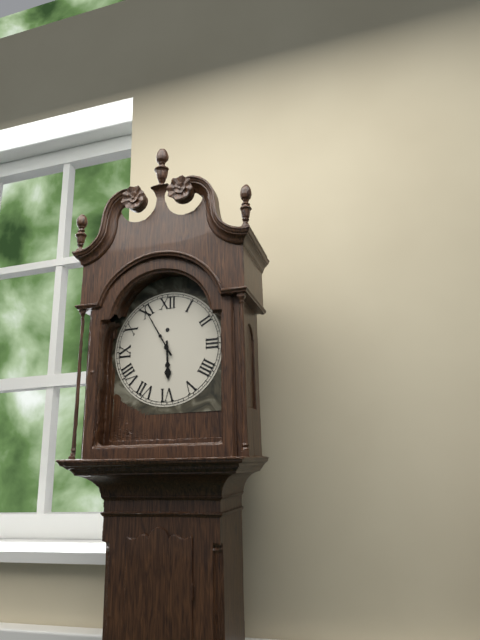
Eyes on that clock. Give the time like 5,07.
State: 5,55
